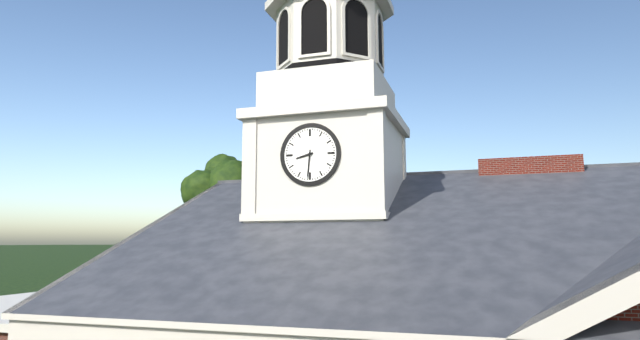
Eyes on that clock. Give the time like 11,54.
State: 8,31
